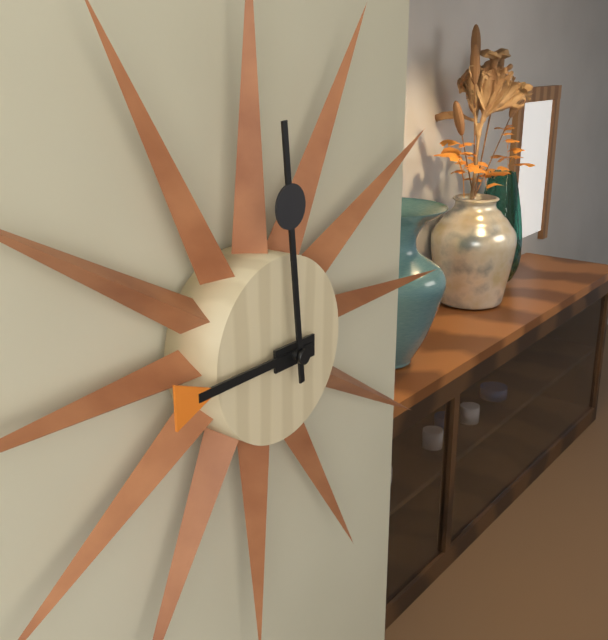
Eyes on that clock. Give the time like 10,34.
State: 8,59
